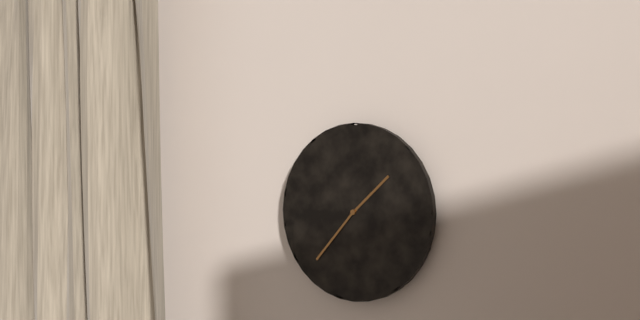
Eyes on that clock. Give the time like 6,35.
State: 1,37
